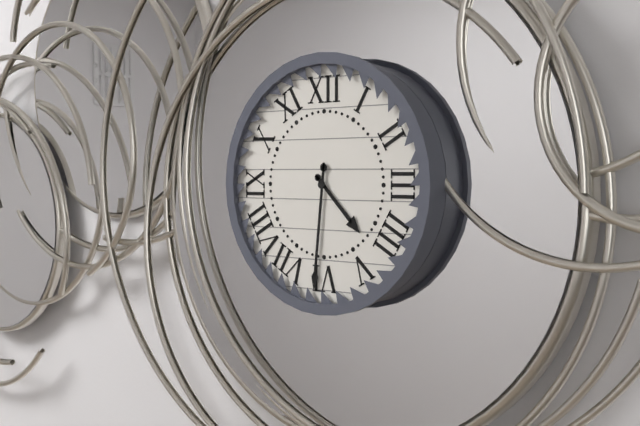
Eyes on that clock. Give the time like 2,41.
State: 4,31
